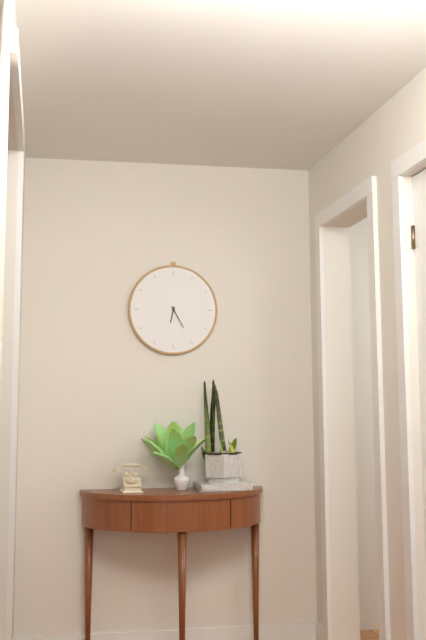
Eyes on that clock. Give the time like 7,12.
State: 6,25
